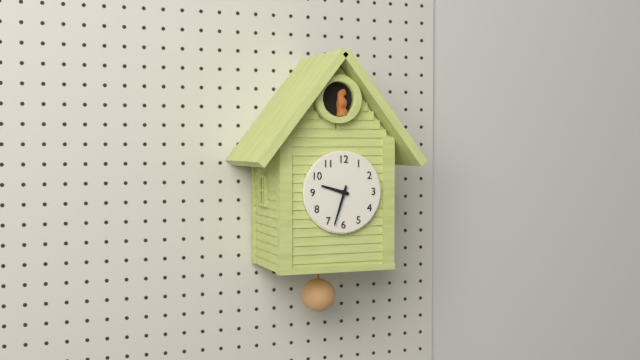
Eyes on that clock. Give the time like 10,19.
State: 9,33
